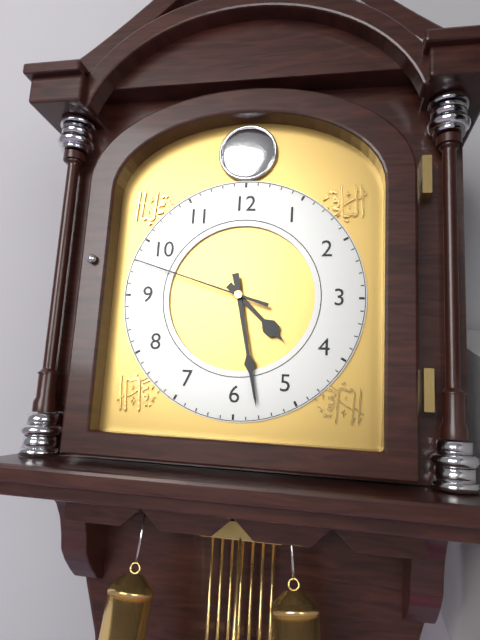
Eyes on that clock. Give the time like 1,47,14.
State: 4,28,48
